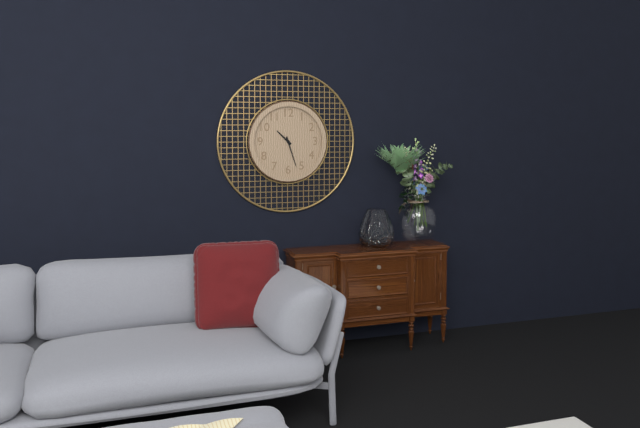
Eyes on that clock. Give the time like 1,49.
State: 10,27
